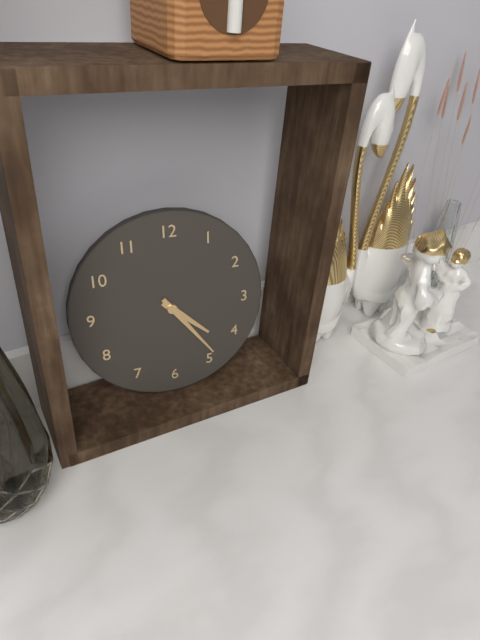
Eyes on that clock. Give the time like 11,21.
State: 4,24
